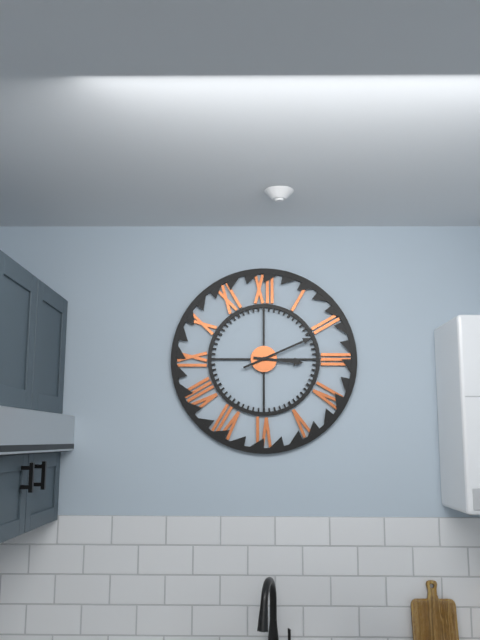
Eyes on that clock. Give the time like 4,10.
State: 3,11
